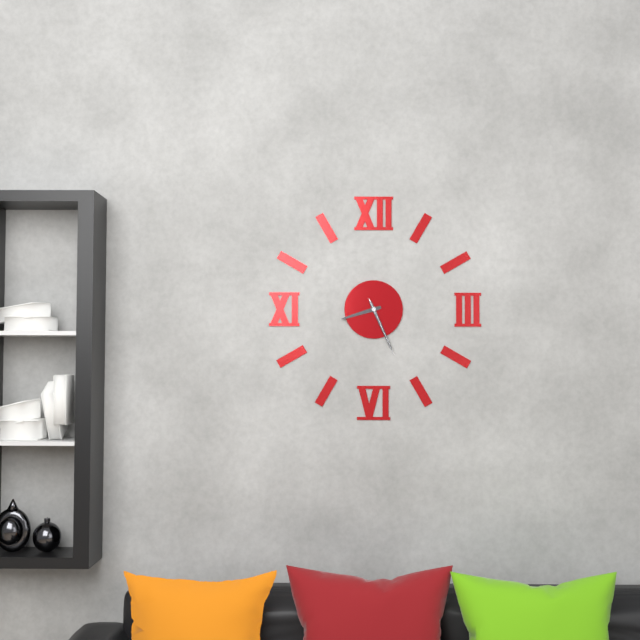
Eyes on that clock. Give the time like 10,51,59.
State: 8,26,26
